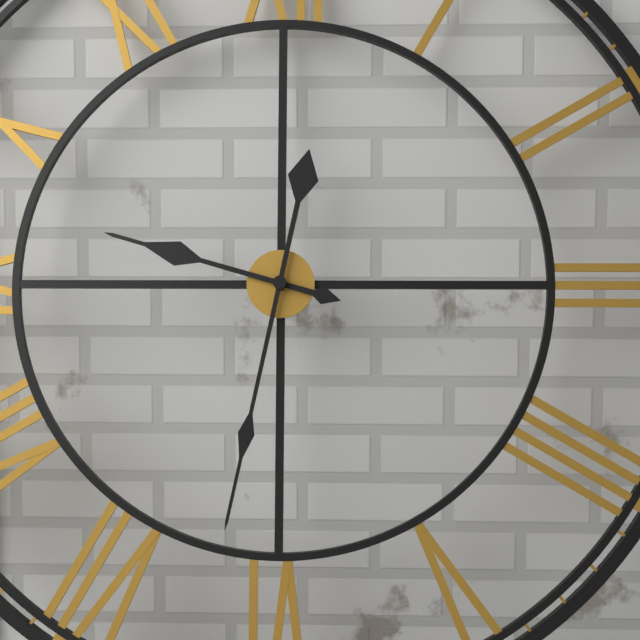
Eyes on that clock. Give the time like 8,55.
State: 9,32
